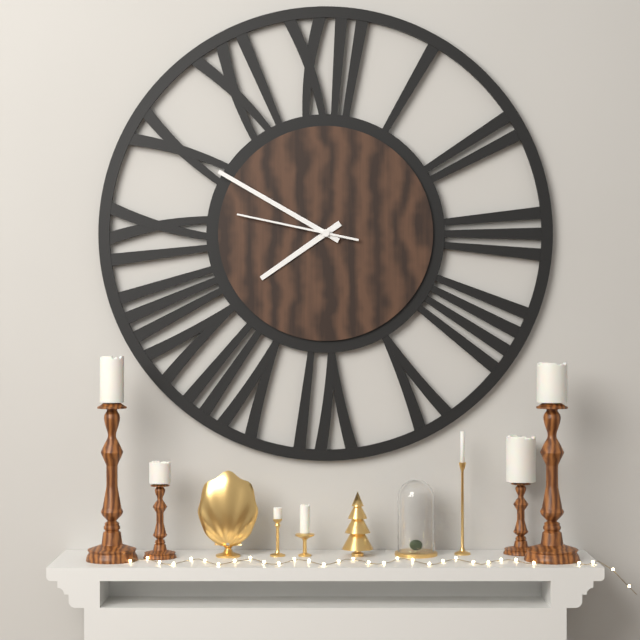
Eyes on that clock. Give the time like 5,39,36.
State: 7,50,47
